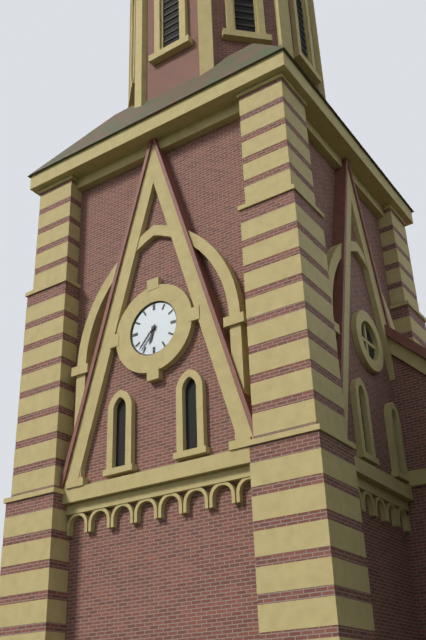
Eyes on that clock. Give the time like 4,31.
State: 6,37
